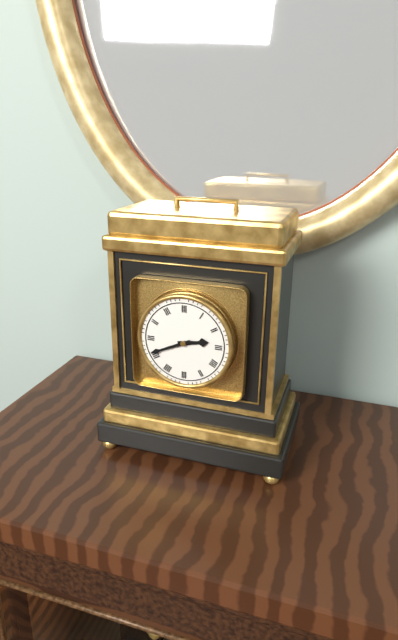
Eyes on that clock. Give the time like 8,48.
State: 2,41
